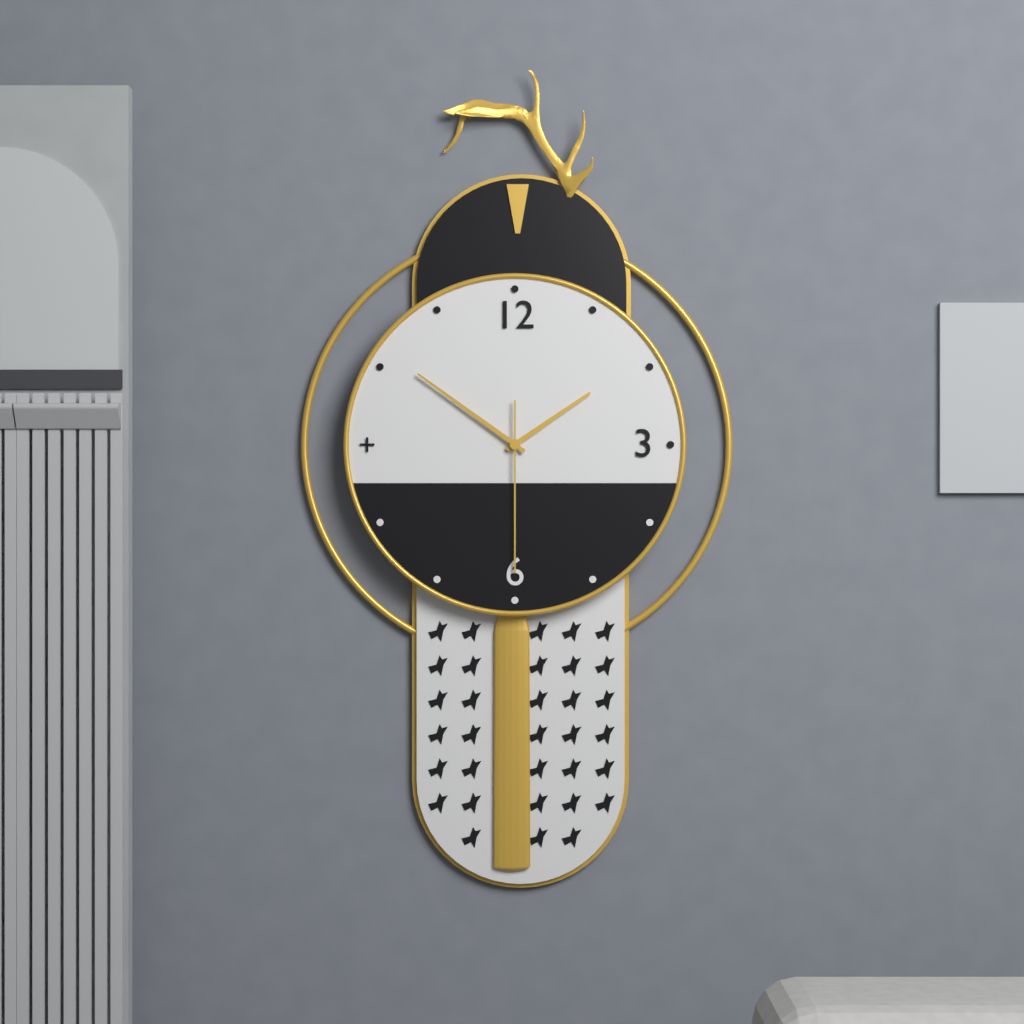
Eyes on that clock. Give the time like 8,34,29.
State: 1,51,30
